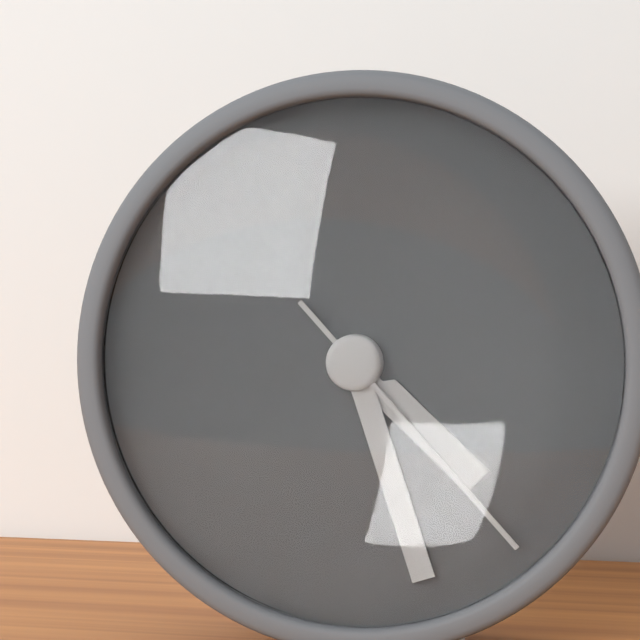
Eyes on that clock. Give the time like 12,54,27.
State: 4,27,23
